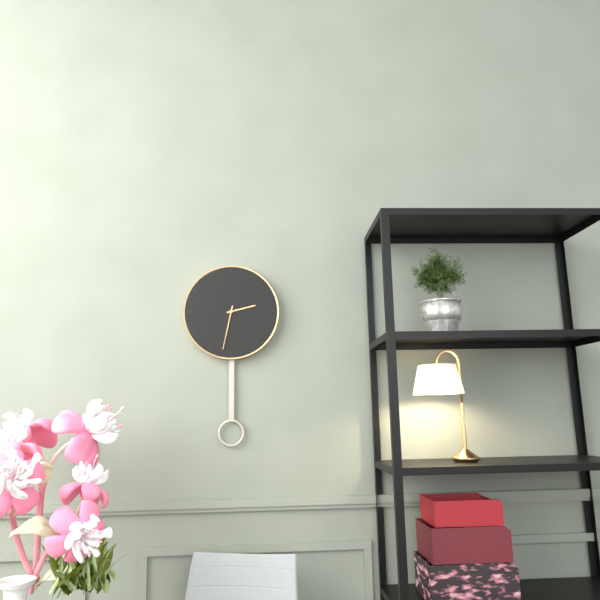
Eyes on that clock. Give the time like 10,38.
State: 2,32
